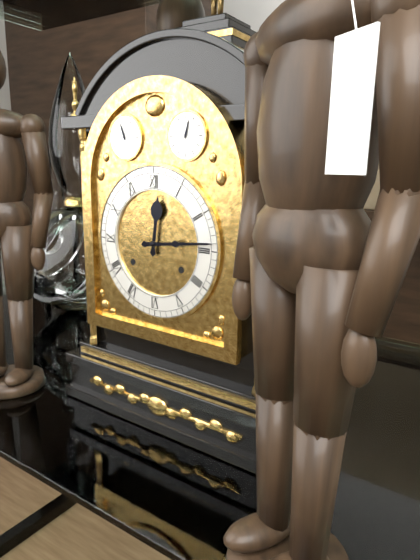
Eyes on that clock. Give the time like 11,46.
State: 12,14
